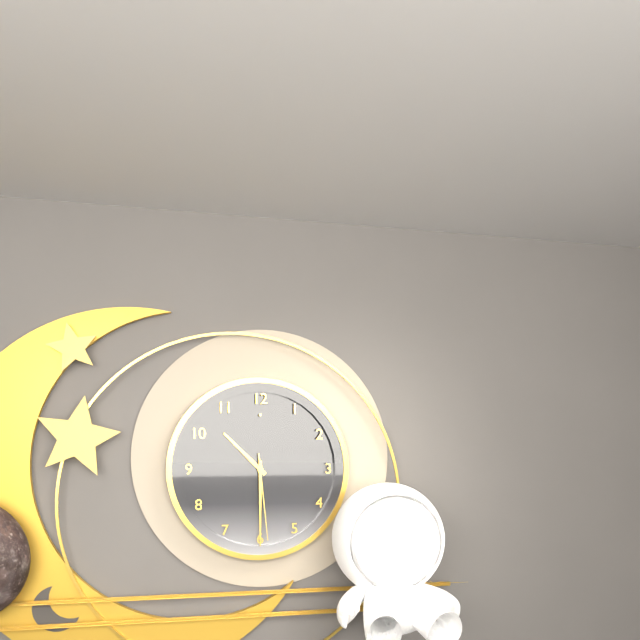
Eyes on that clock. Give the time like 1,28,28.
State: 10,30,29
